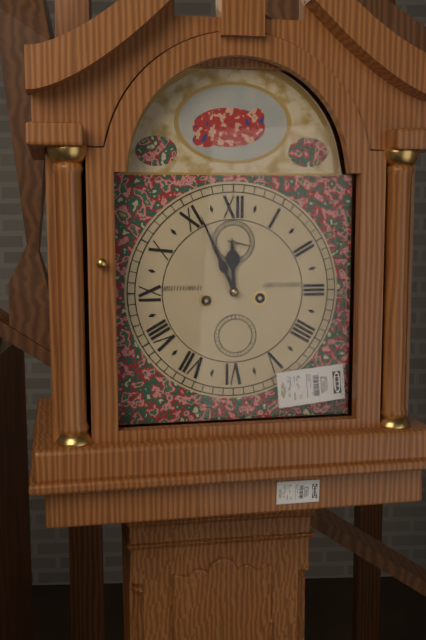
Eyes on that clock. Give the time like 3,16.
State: 11,56
